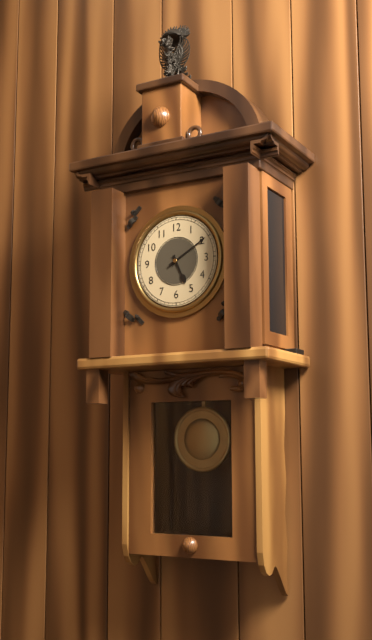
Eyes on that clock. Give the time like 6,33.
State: 5,10
